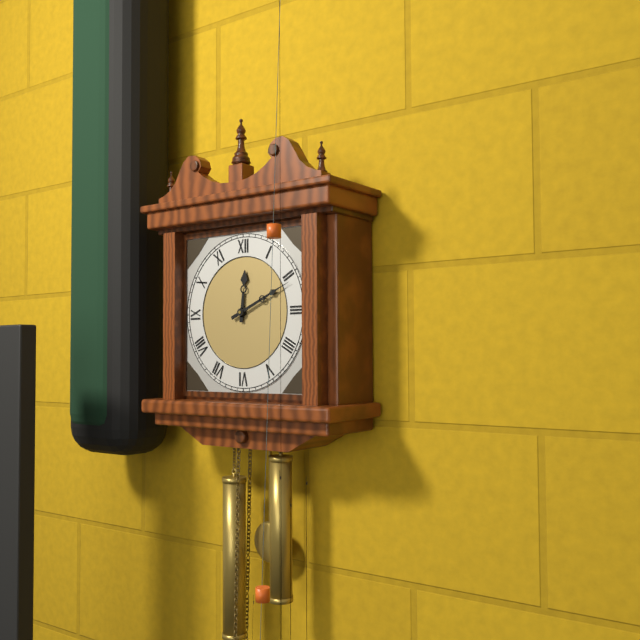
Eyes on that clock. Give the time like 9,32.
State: 12,11
